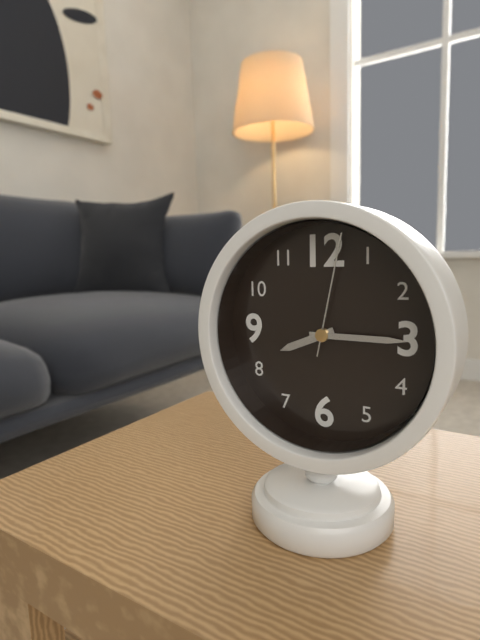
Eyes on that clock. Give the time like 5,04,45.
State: 8,15,02
